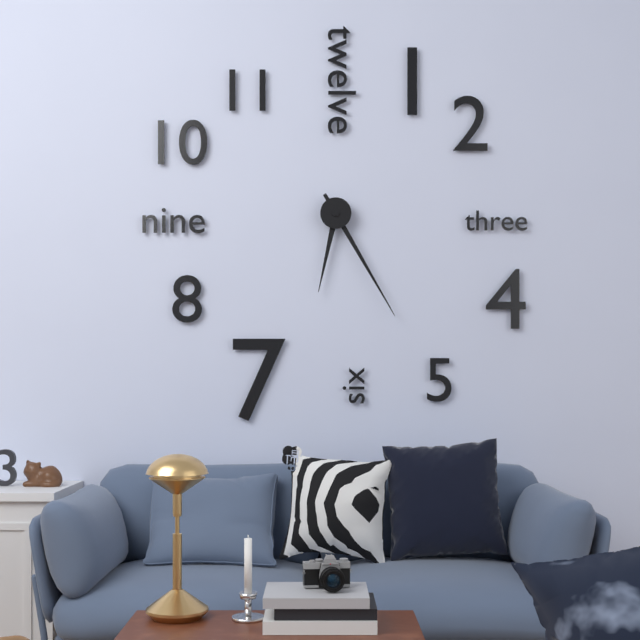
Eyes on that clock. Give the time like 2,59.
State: 6,25
